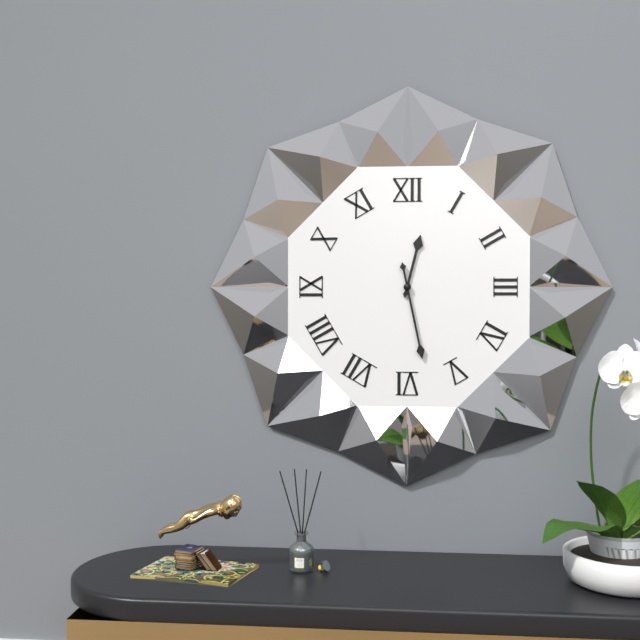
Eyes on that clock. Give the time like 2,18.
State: 12,28
